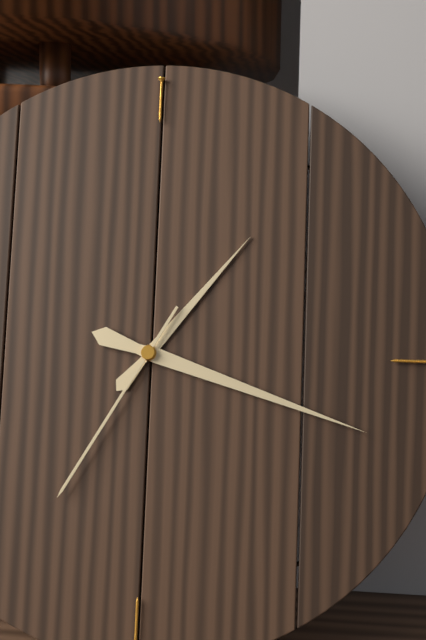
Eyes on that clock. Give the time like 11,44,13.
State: 1,18,35
